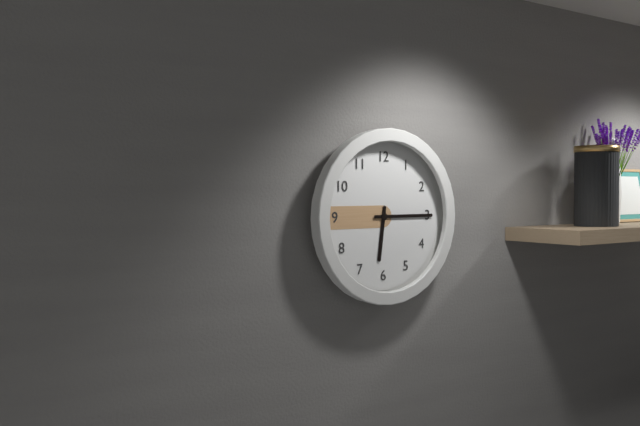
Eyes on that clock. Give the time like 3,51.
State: 6,15
